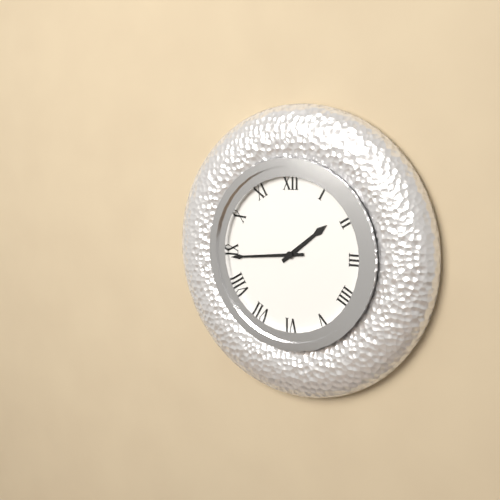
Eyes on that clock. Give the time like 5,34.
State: 1,44
